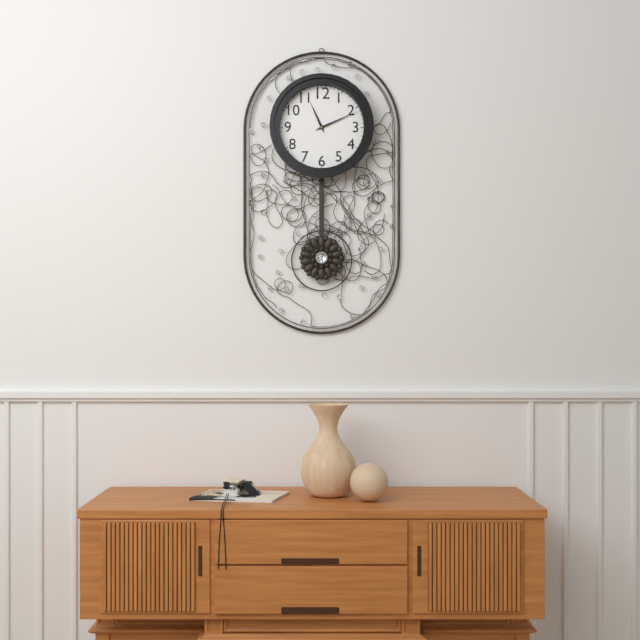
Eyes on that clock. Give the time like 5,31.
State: 11,11
